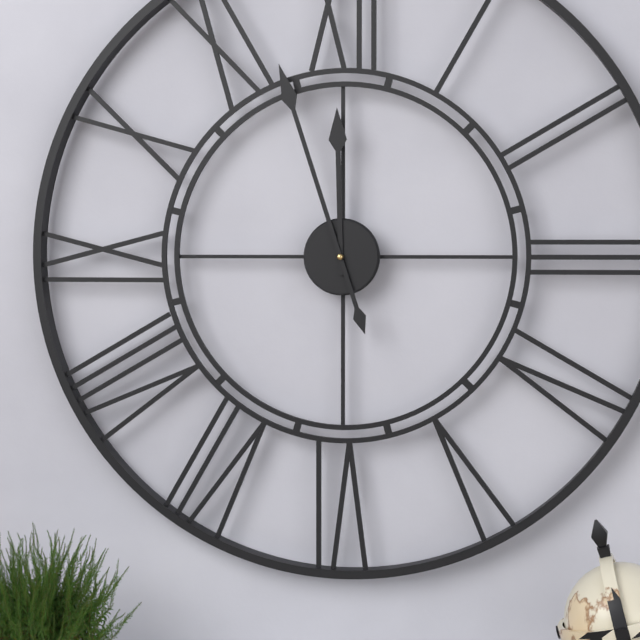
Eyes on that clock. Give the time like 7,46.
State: 11,57
